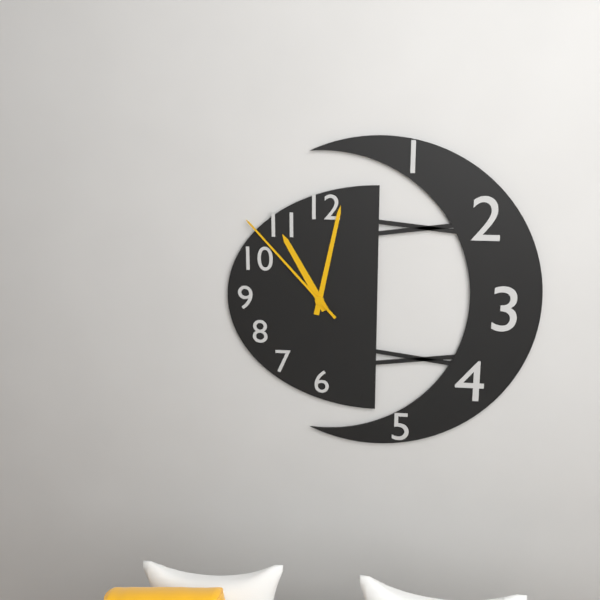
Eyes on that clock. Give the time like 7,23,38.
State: 11,02,53
